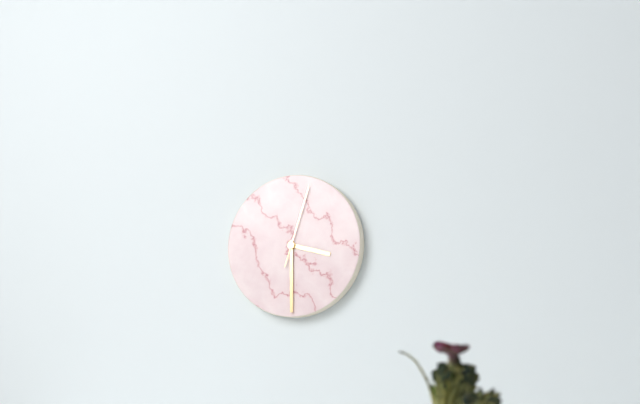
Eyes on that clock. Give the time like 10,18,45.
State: 3,30,03
